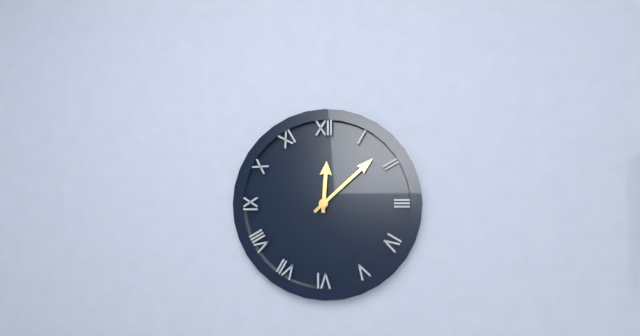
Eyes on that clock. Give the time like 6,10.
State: 12,08
